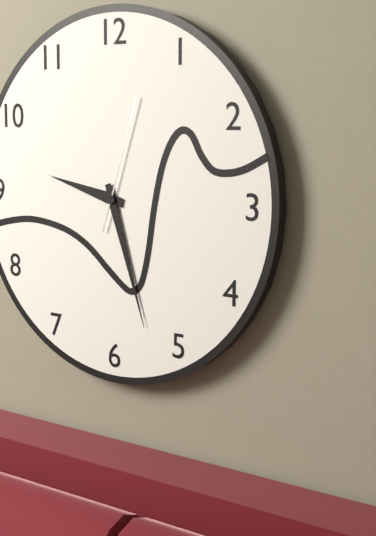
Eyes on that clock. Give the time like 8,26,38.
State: 9,27,03
